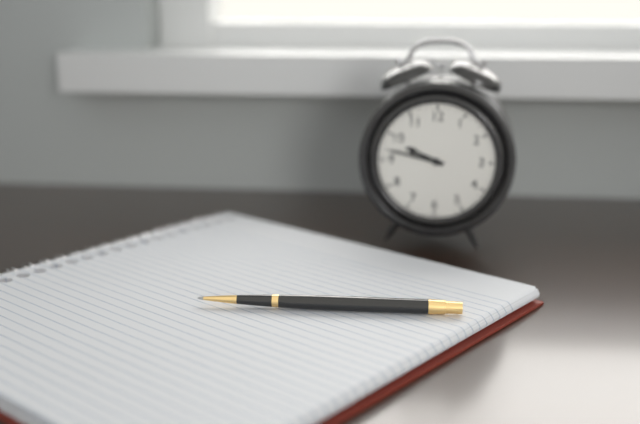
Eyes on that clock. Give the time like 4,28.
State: 9,47
